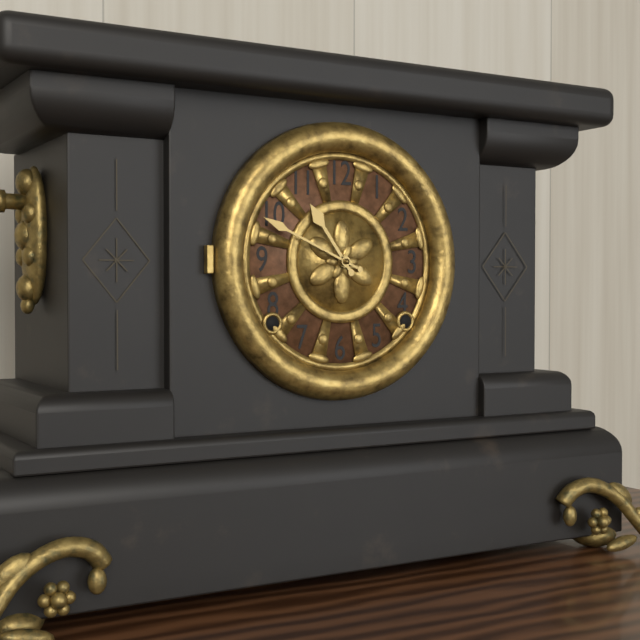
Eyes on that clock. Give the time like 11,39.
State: 10,49
